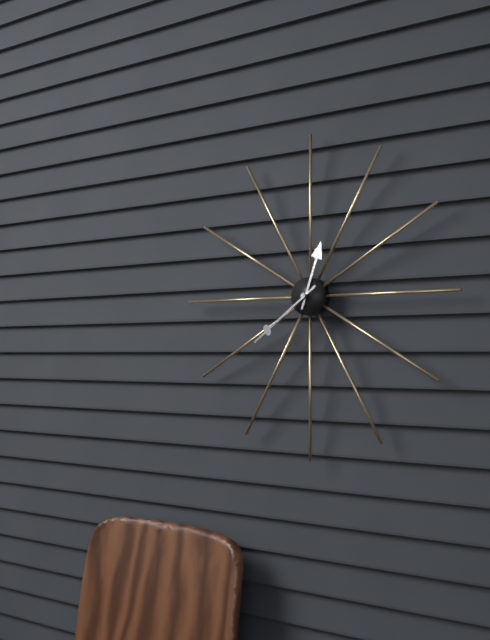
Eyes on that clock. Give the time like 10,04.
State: 12,39
